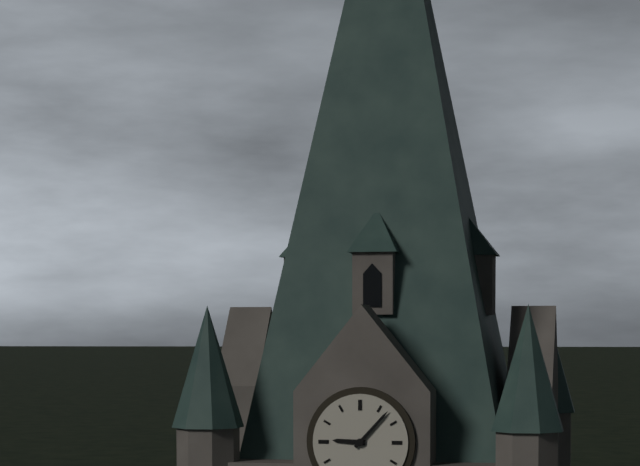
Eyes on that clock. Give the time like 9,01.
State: 9,07
